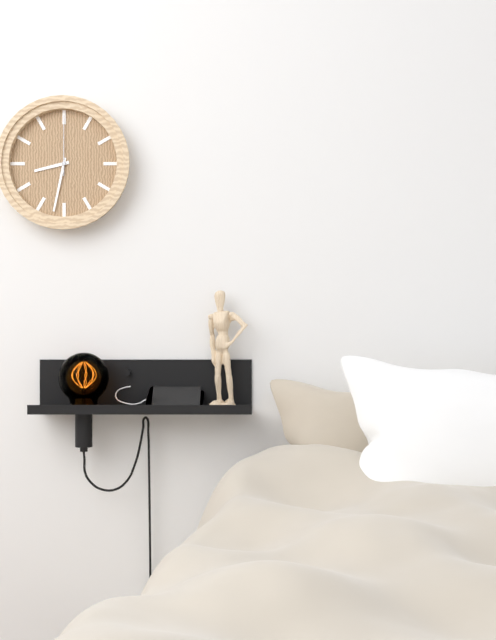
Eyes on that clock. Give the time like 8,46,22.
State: 8,32,00
